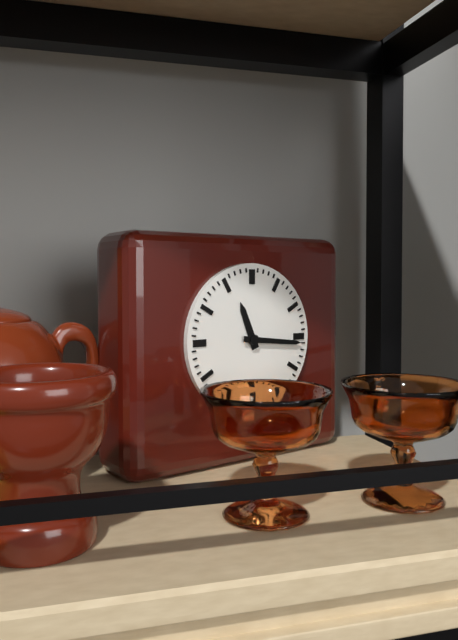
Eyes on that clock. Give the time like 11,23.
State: 11,16
